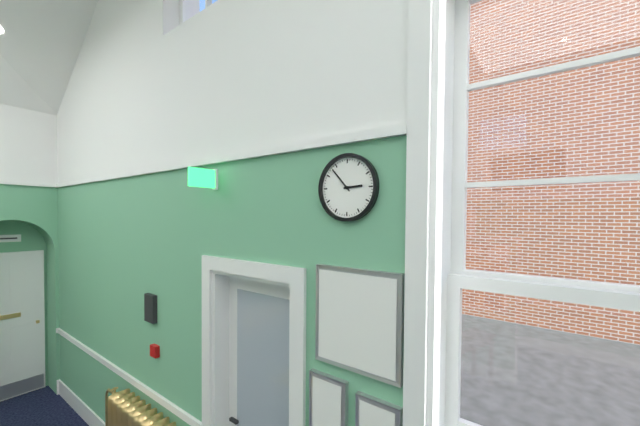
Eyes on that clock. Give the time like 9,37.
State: 2,53
